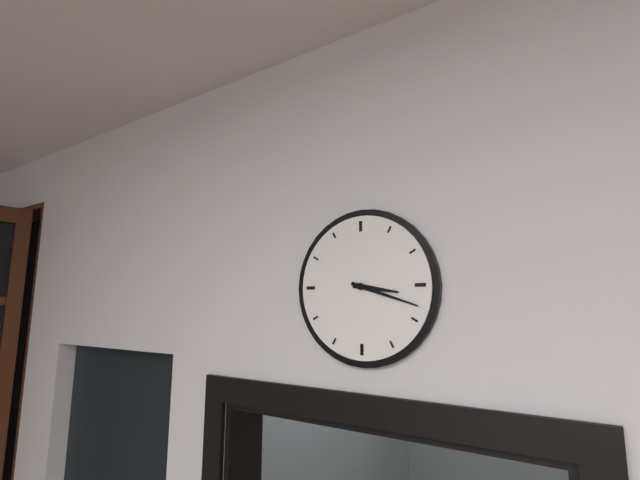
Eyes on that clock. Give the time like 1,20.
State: 3,18
